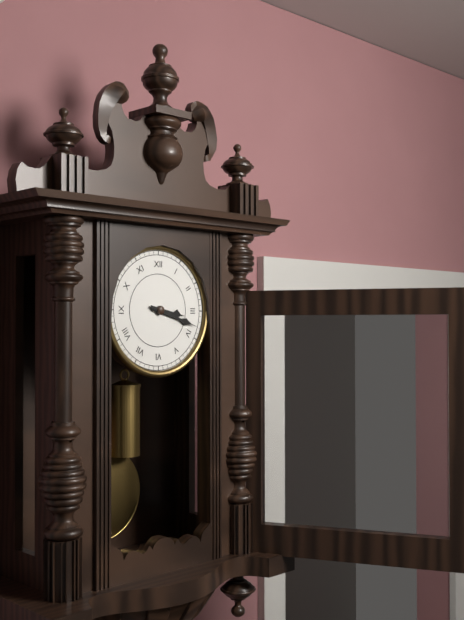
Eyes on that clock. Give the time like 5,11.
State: 3,18
